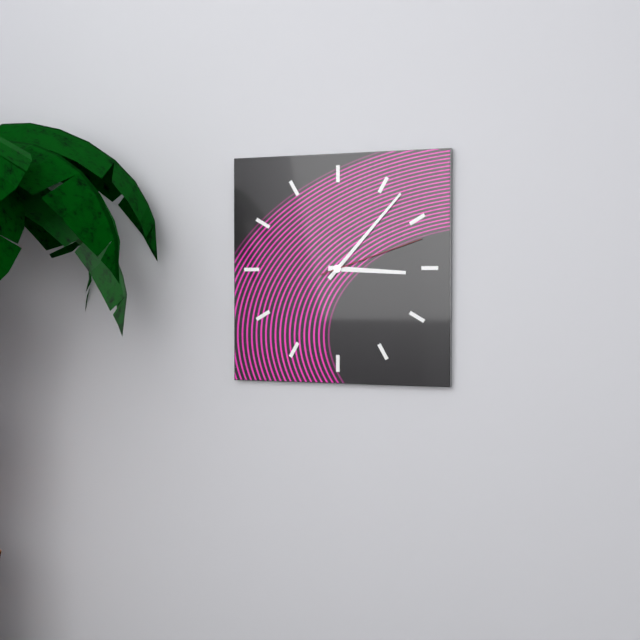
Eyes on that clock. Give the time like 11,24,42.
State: 3,07,12
